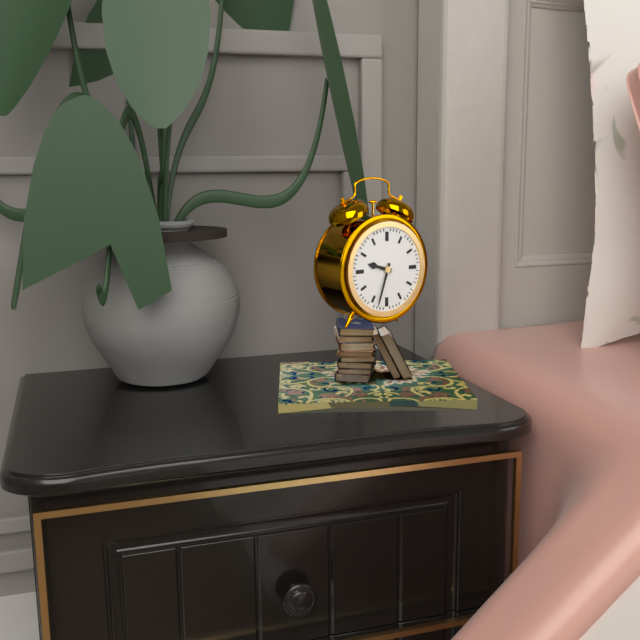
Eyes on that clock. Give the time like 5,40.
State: 9,33
